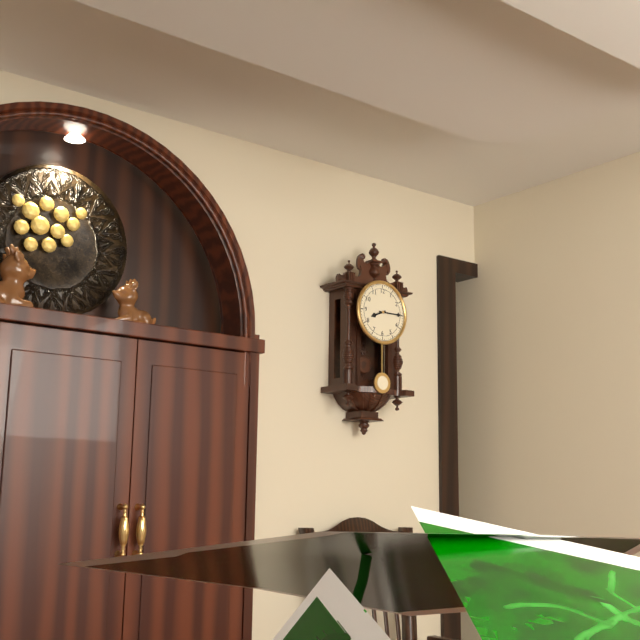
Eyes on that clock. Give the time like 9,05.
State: 8,15
